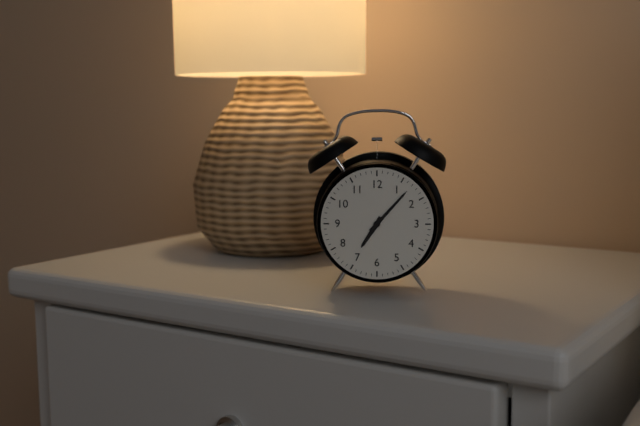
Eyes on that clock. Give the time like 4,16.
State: 7,07
